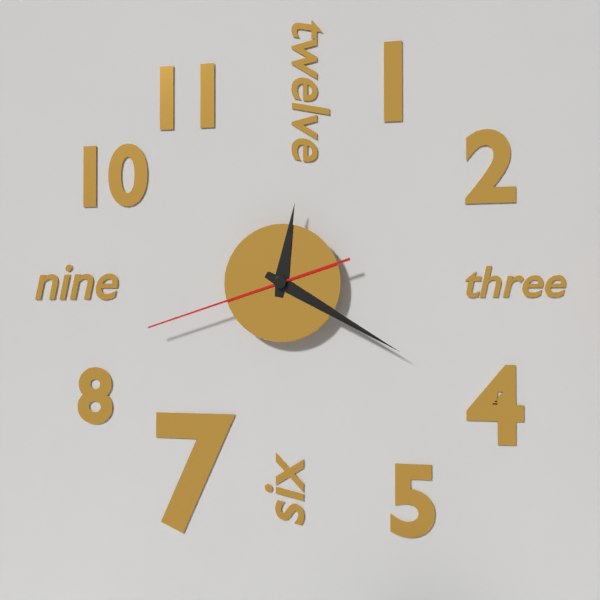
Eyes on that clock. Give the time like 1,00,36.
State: 12,20,42
